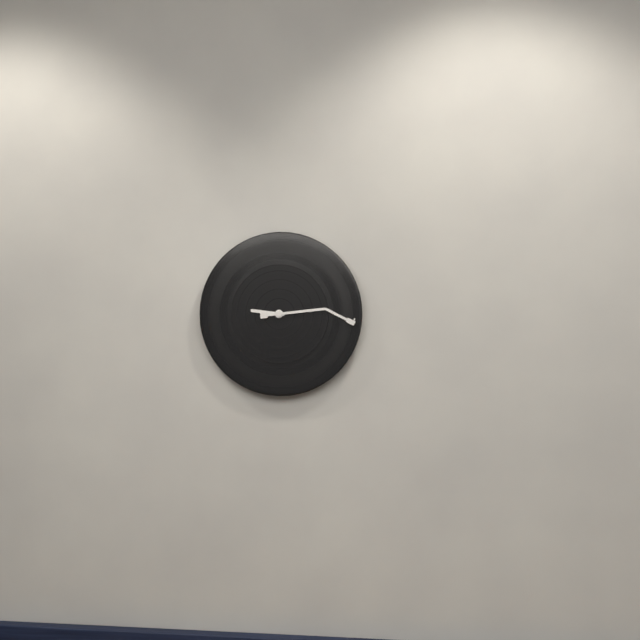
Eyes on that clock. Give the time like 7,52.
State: 9,14
